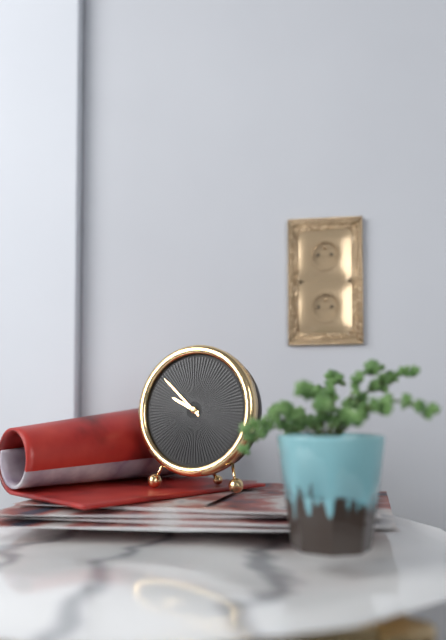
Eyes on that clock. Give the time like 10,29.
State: 9,52
